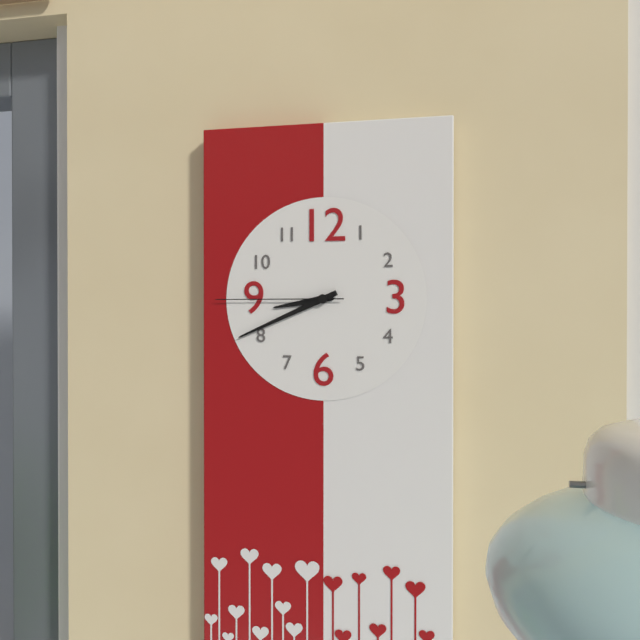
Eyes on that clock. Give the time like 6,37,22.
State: 8,41,45
